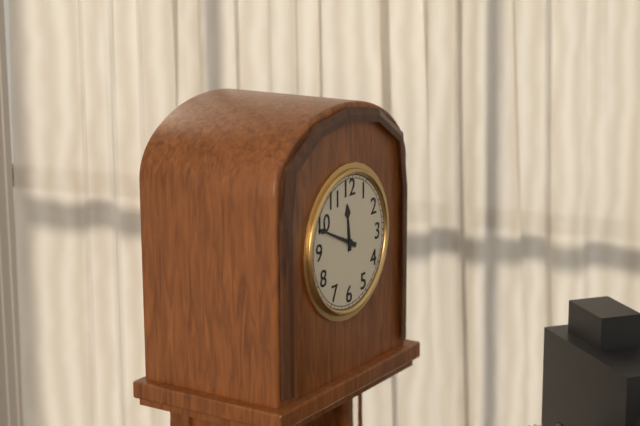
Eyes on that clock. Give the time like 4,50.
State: 11,49
